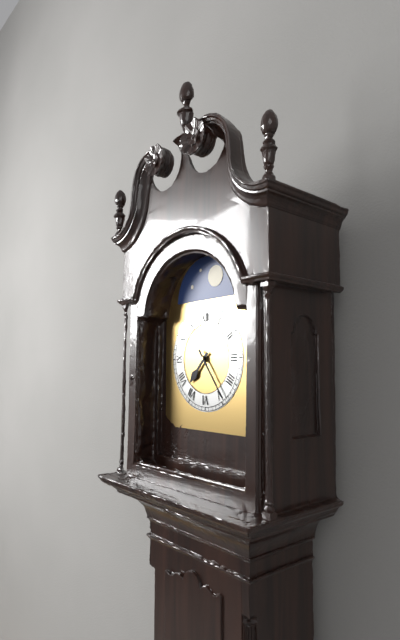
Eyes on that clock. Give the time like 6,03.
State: 7,24
